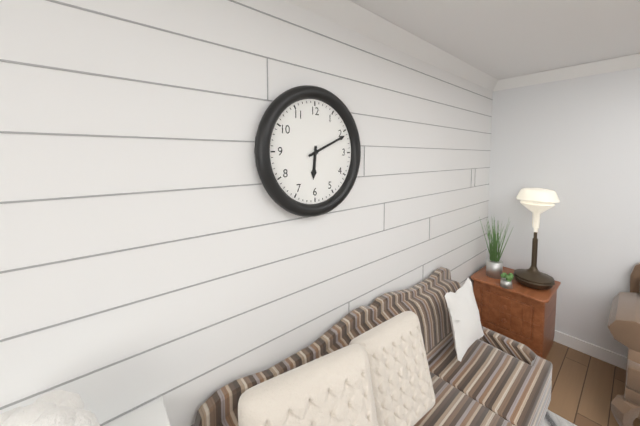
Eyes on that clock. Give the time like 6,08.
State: 6,11
